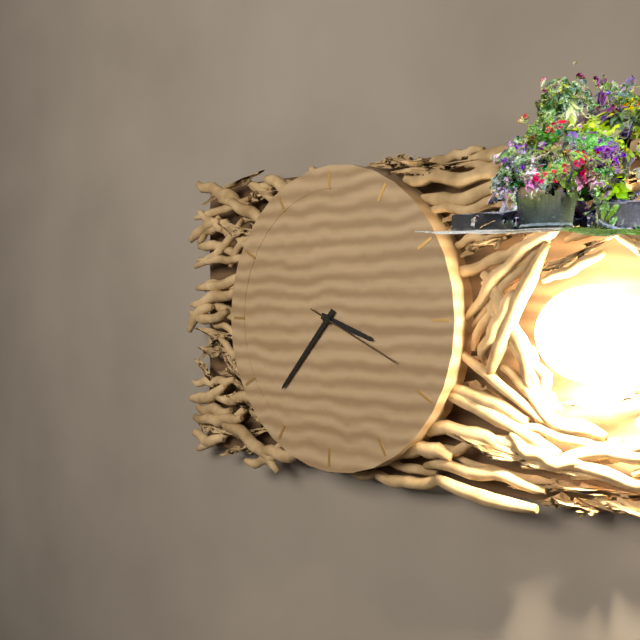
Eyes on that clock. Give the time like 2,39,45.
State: 3,37,19
